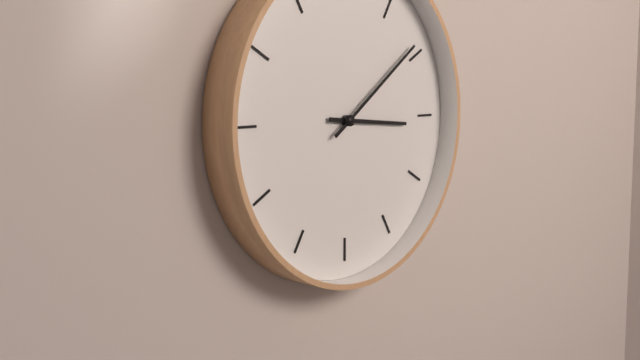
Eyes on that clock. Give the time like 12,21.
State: 3,09
